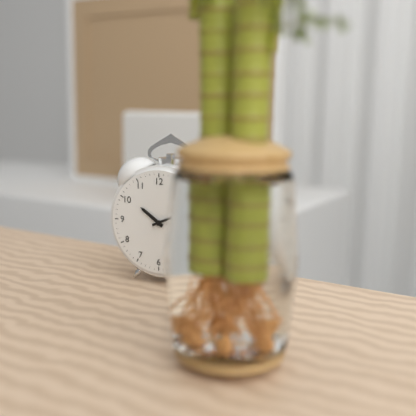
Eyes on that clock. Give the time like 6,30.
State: 10,11
